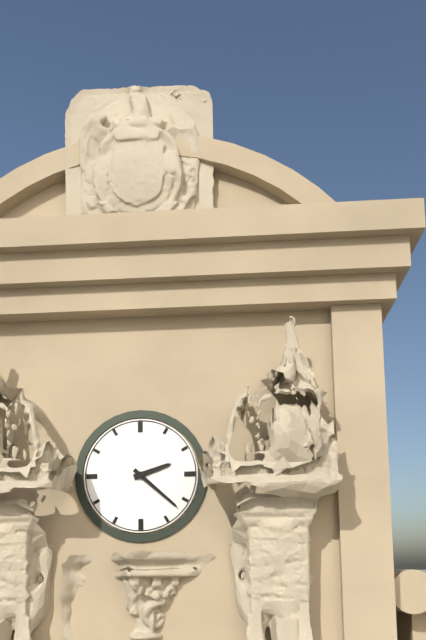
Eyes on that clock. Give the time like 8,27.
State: 2,22
